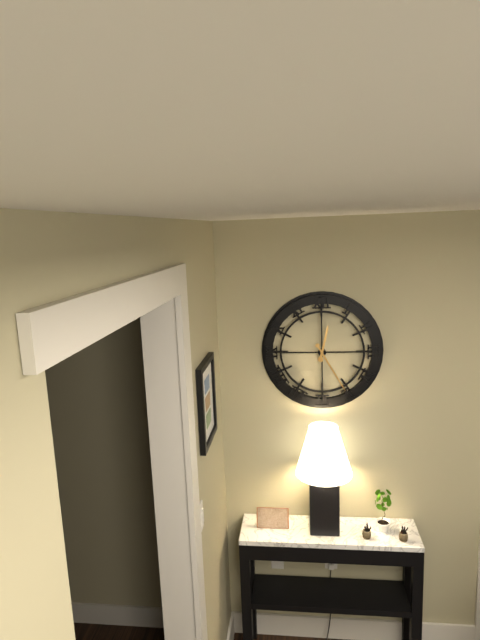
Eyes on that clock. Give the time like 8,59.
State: 12,25
